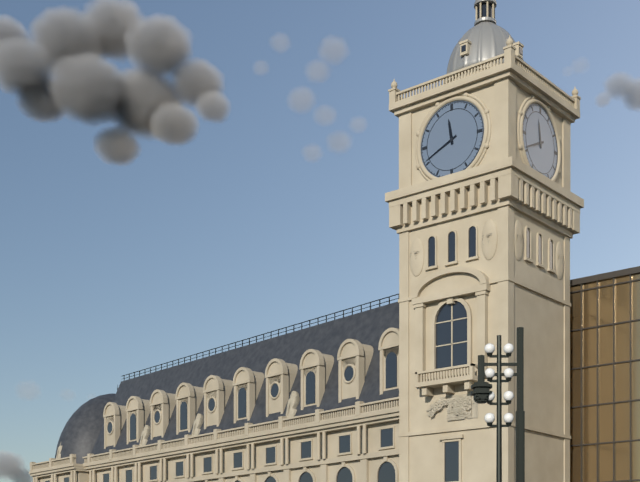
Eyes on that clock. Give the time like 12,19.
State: 11,41
